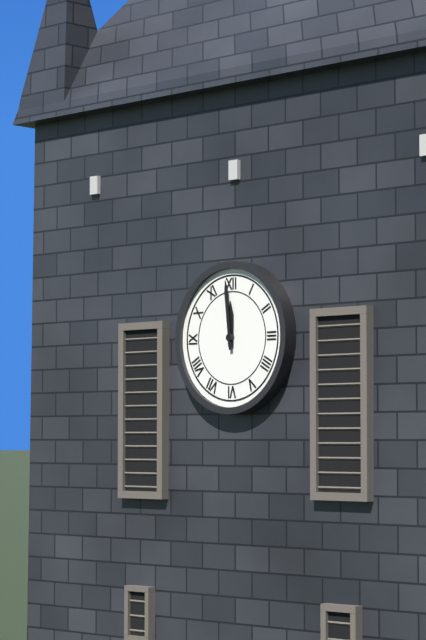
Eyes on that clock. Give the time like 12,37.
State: 11,59
